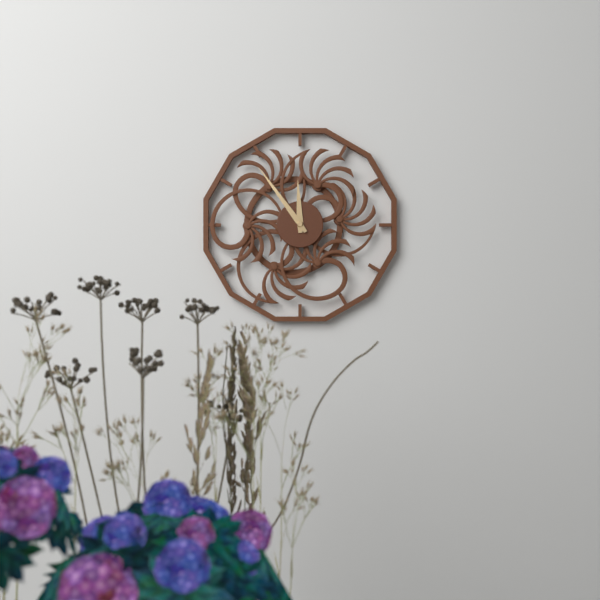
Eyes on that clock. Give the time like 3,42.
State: 11,54
